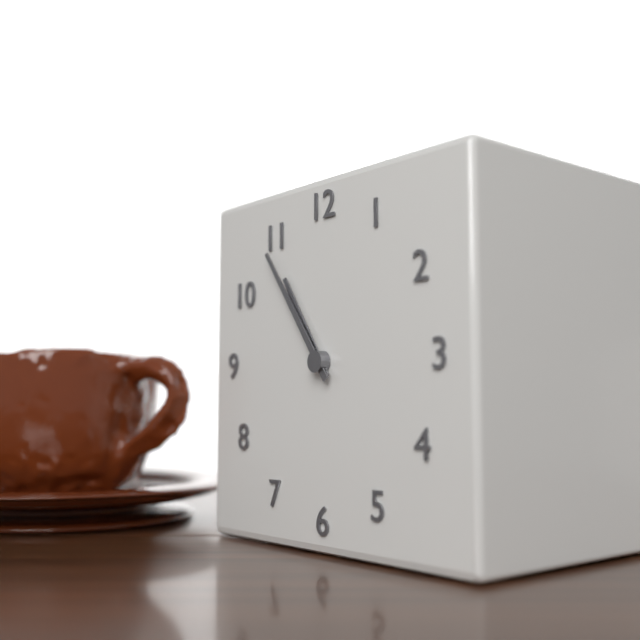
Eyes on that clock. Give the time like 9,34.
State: 10,54
